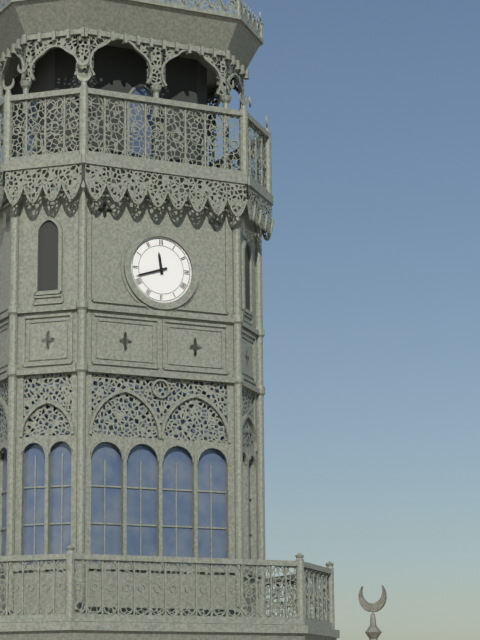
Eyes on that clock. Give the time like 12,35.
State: 11,42
